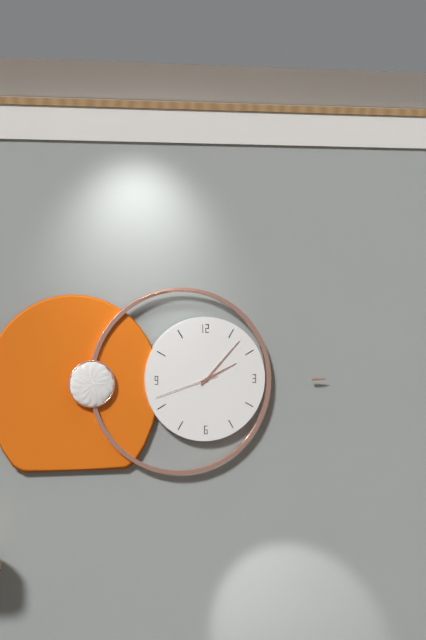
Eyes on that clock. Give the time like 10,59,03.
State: 2,07,42
